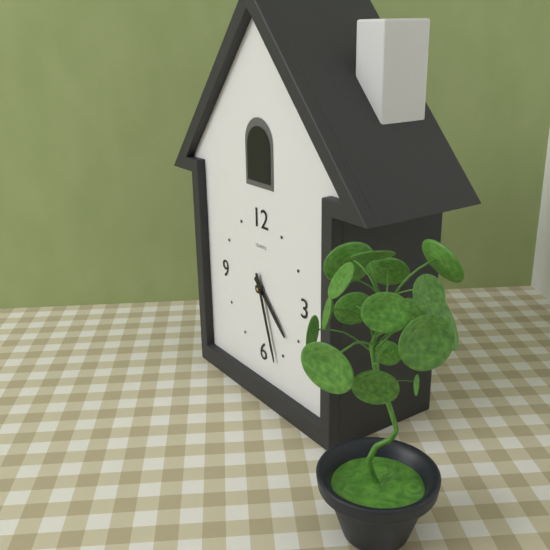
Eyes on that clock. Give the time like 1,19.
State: 4,27
